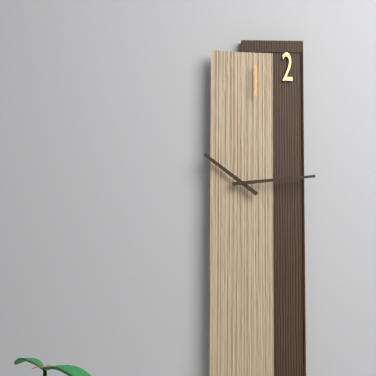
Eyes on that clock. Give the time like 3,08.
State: 10,14
